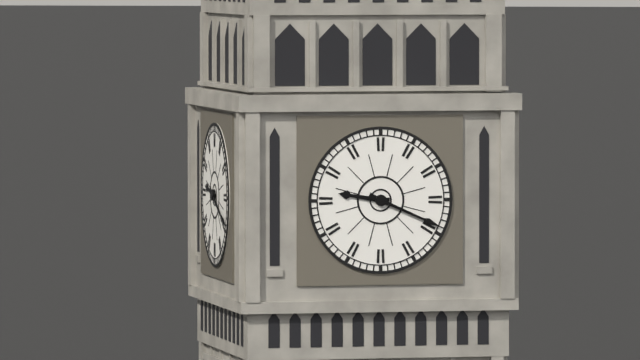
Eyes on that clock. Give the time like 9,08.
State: 9,19
